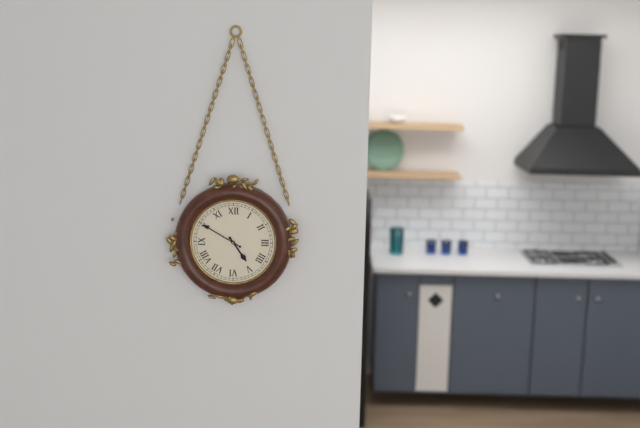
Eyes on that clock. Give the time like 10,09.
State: 4,50
